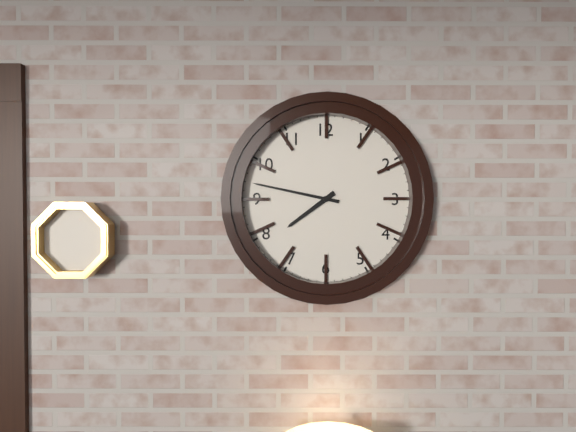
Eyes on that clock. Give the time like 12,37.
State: 7,47
